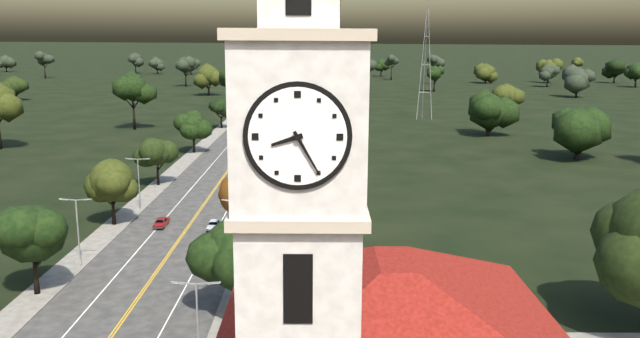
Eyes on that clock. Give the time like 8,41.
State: 8,25
